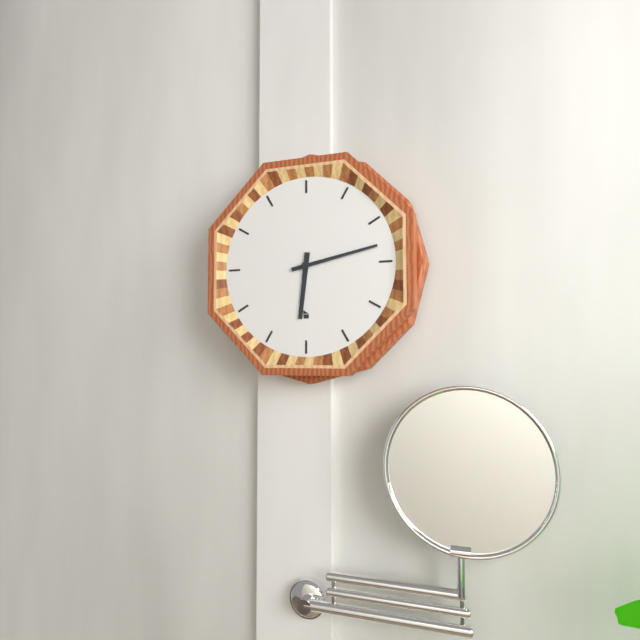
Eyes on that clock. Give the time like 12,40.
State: 6,13
